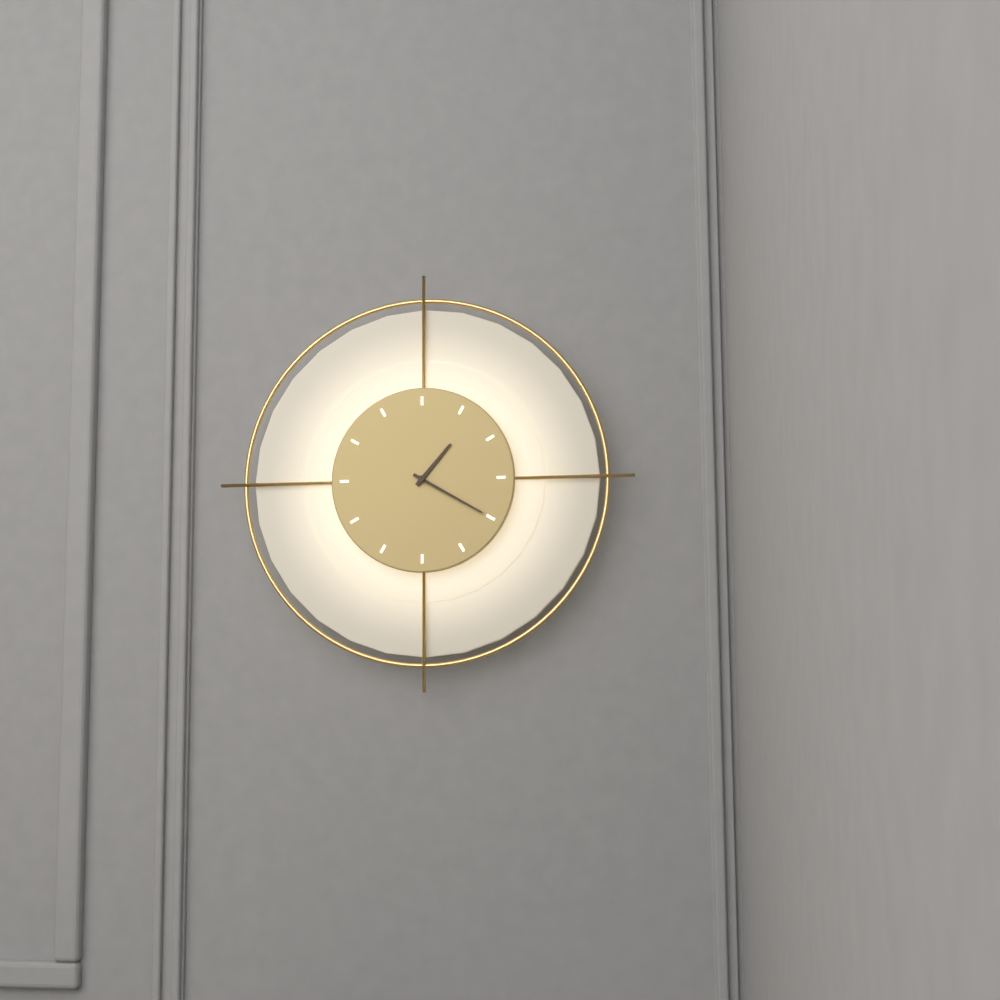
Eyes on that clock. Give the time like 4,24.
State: 1,20
